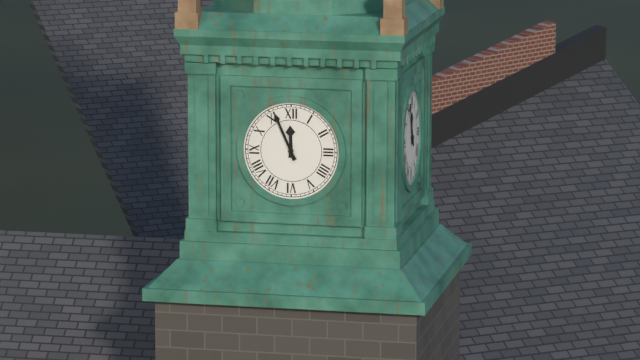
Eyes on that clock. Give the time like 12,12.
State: 11,56
